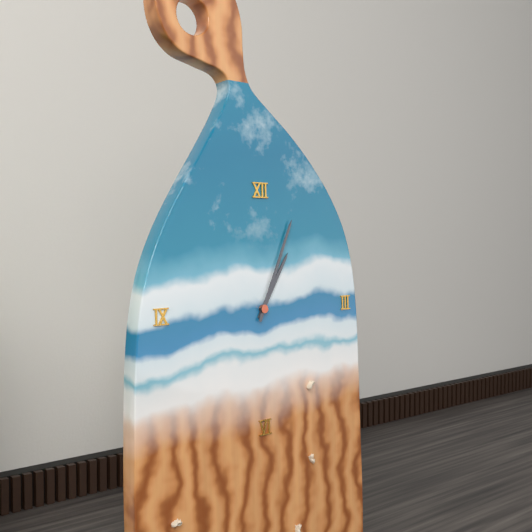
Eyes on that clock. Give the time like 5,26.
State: 1,04
